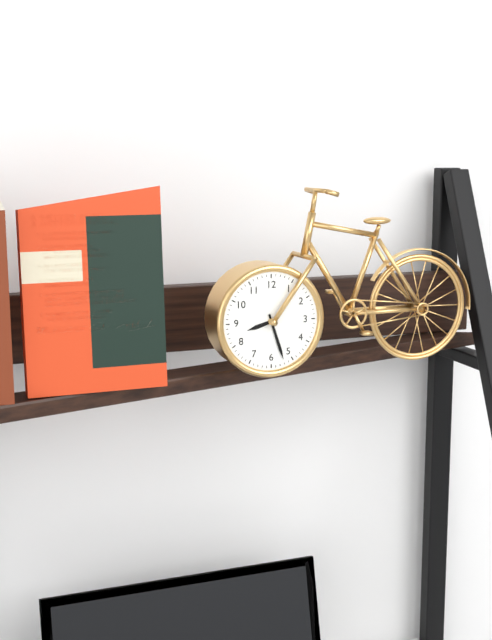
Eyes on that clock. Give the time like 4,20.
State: 8,27
